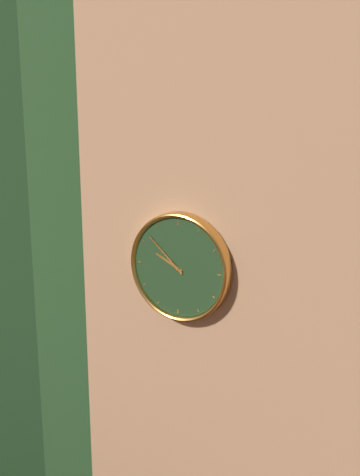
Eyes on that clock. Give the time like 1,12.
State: 9,52
